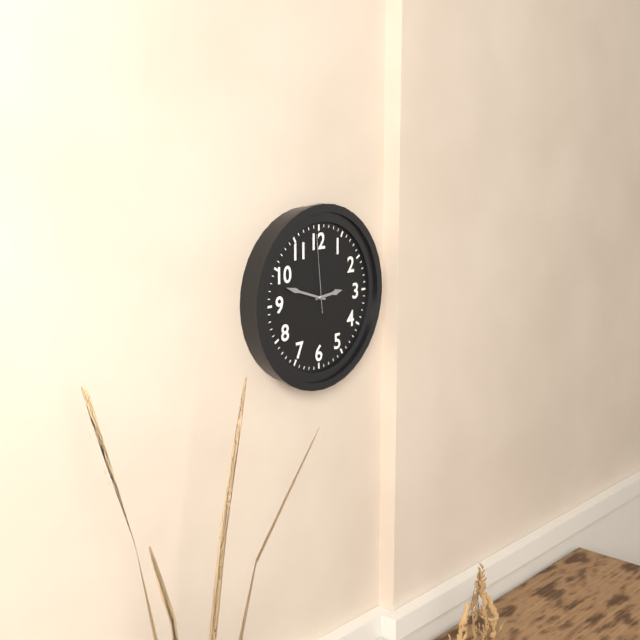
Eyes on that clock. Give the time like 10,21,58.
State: 2,48,59
